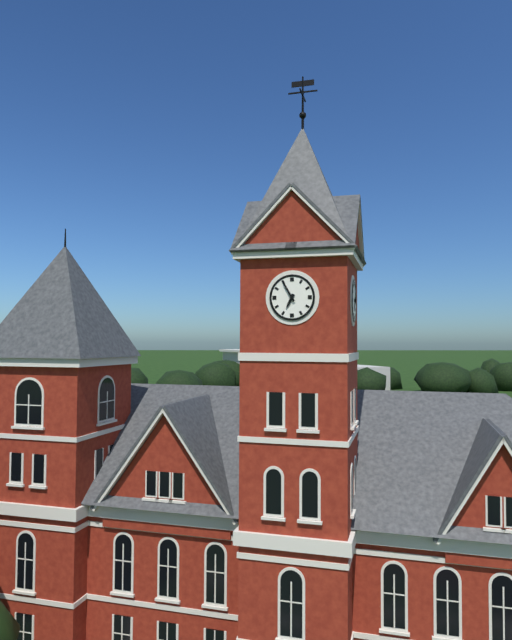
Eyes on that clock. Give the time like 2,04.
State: 6,55
